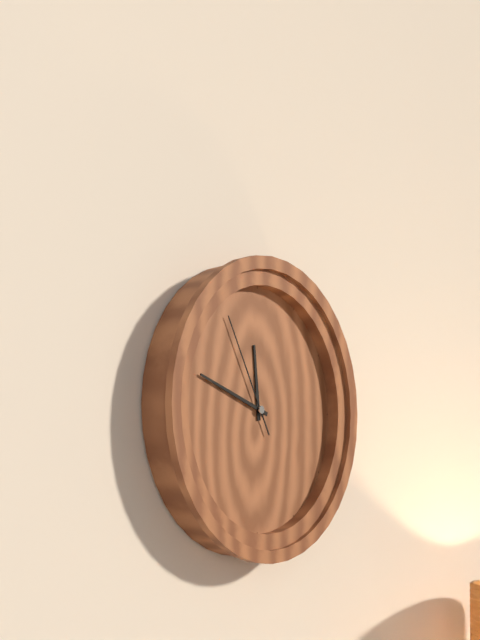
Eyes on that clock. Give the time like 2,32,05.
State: 11,48,55
